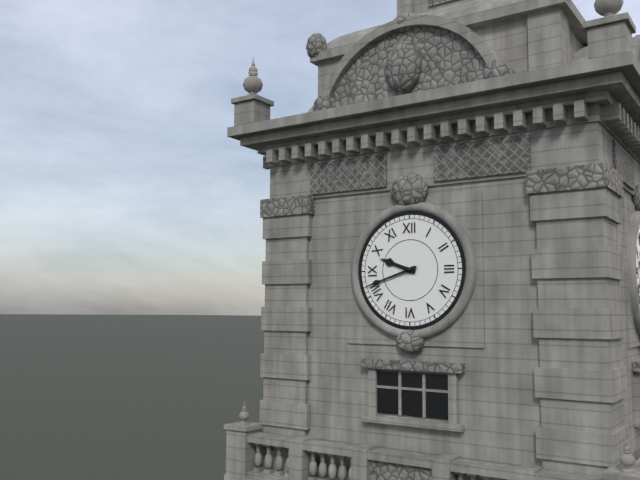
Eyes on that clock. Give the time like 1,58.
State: 9,42
